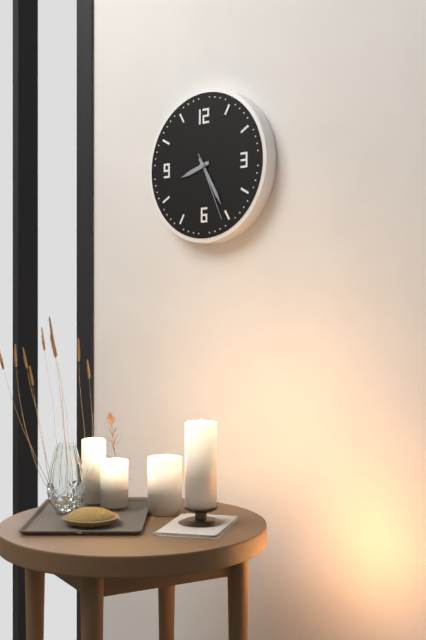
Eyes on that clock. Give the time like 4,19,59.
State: 8,25,26
